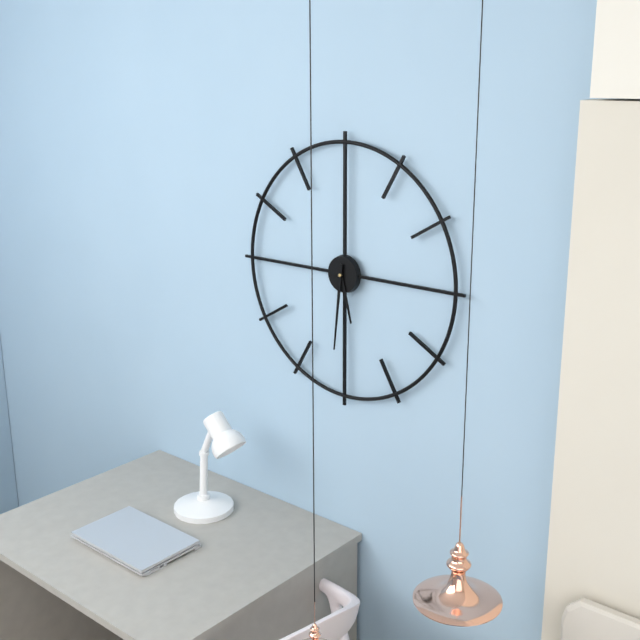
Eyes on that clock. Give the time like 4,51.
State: 5,31
